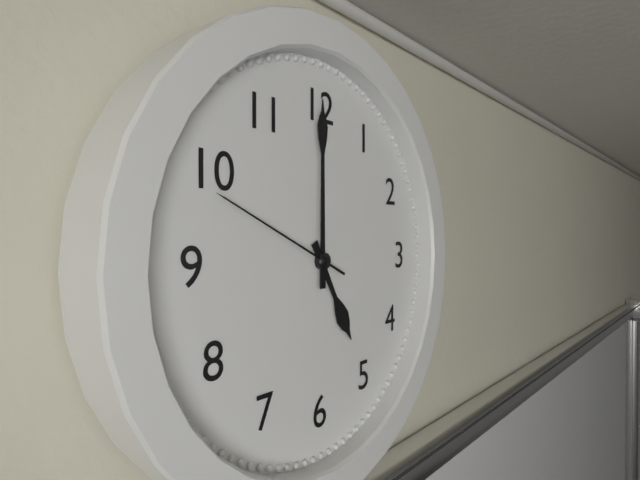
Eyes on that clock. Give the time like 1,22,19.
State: 5,00,49
